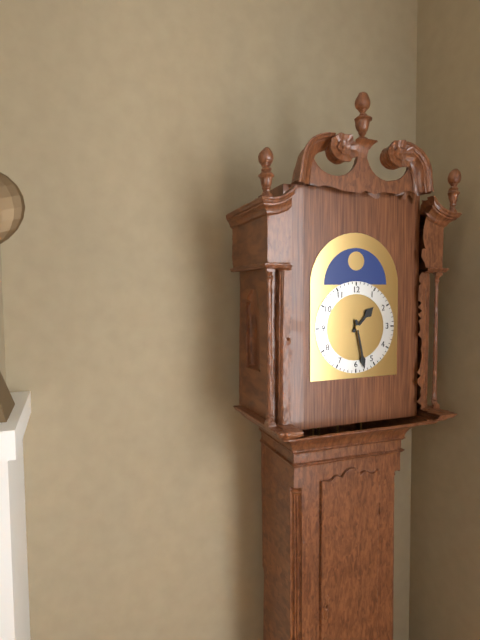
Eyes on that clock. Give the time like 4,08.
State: 1,28
